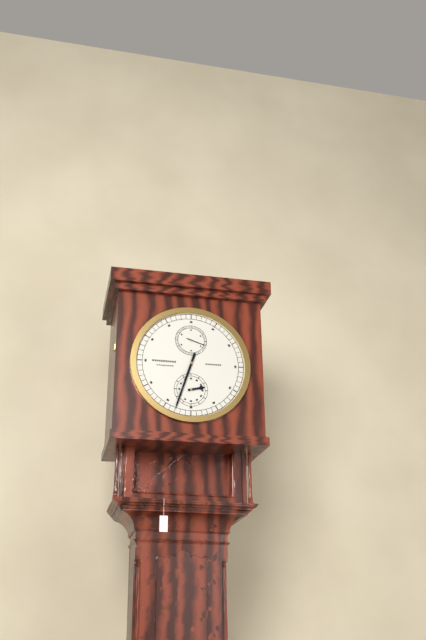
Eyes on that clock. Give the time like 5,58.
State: 2,33
